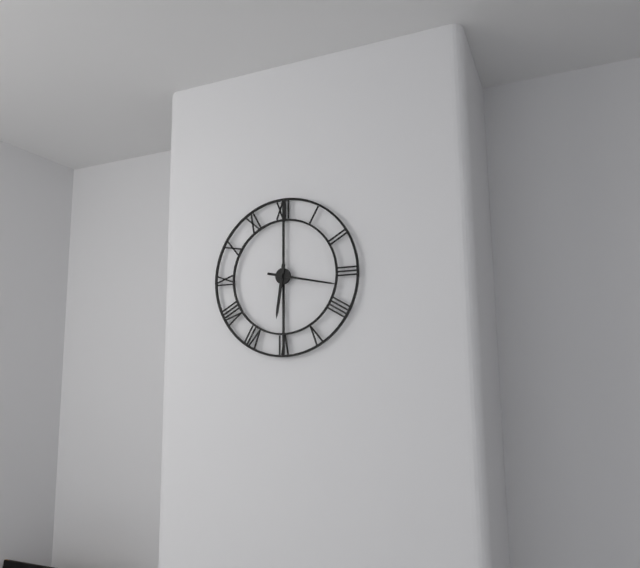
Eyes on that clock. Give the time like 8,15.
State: 6,17
